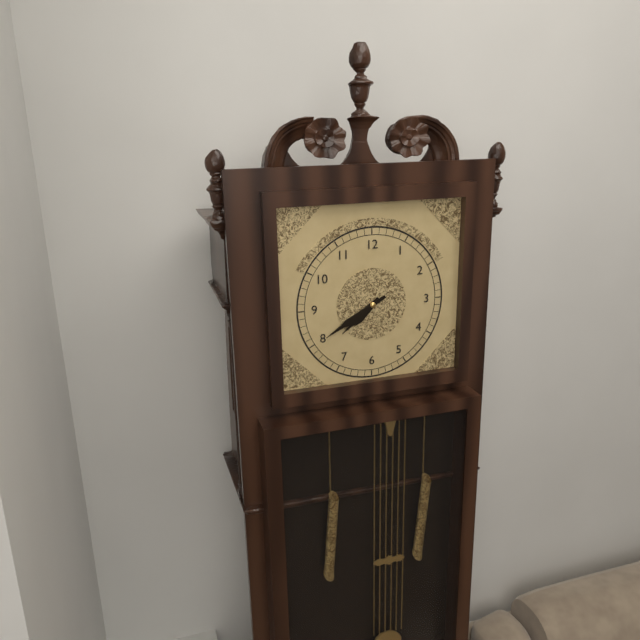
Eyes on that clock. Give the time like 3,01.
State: 7,40
